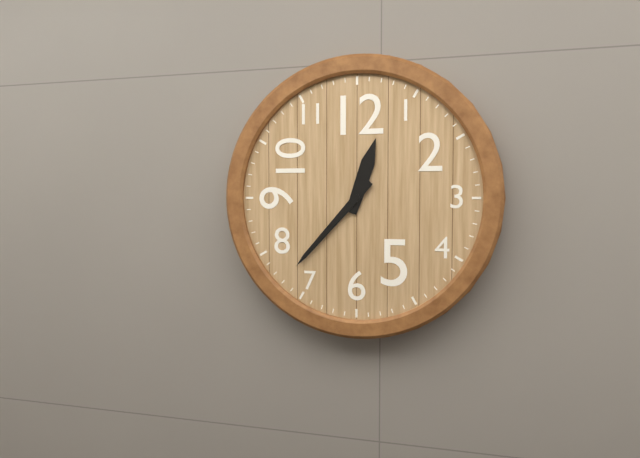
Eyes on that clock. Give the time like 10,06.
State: 12,37
